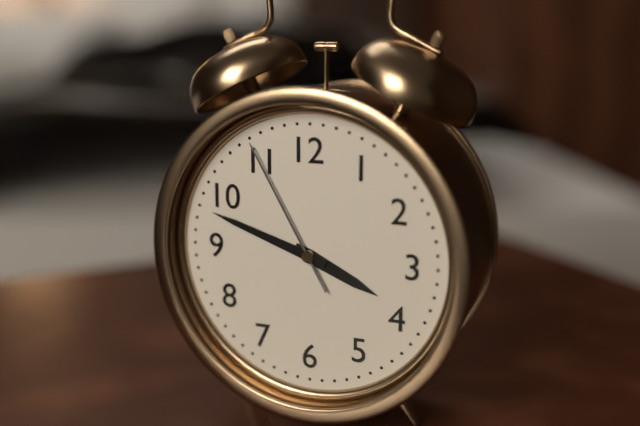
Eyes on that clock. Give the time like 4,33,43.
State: 3,48,55
